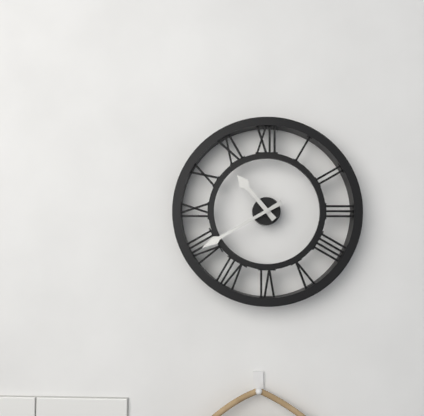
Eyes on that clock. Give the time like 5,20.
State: 10,40
